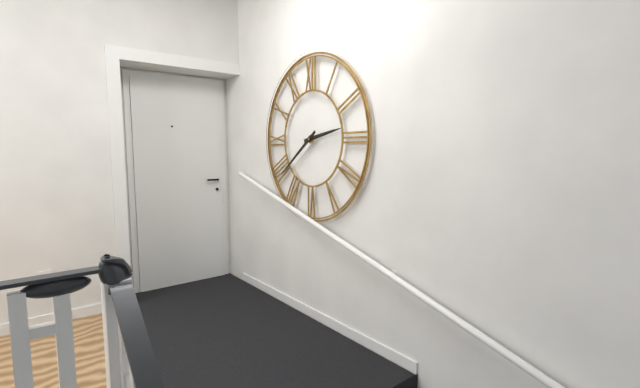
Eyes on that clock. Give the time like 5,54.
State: 2,39
